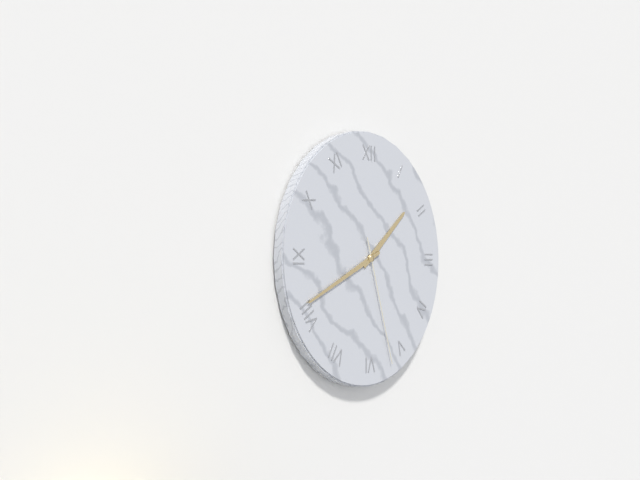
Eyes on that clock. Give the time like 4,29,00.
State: 1,41,27
